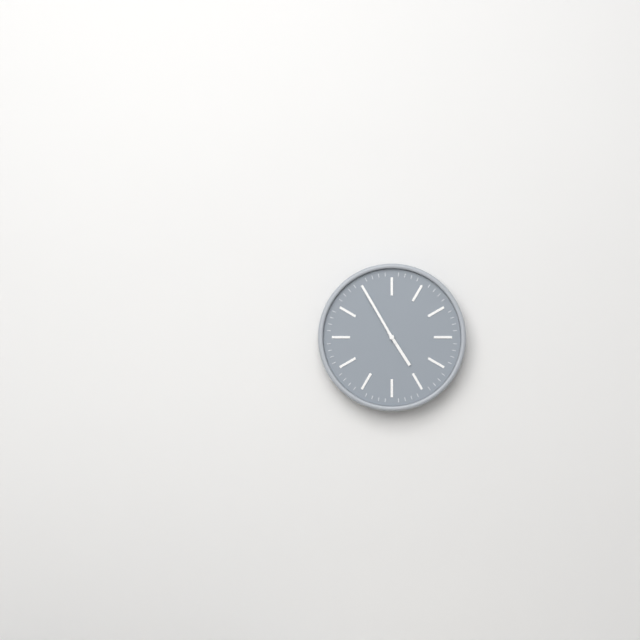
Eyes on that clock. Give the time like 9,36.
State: 4,55
